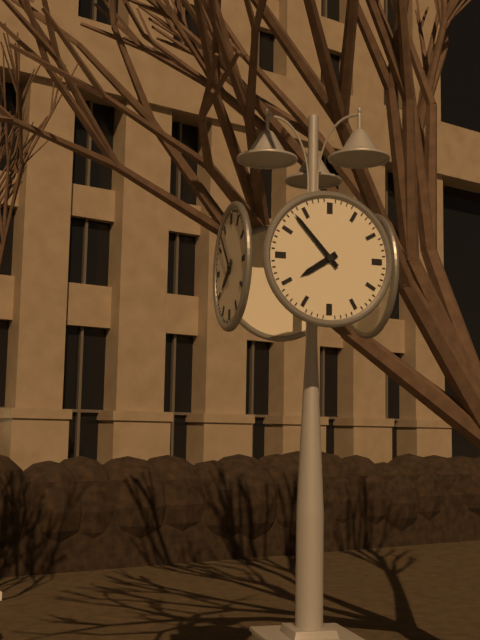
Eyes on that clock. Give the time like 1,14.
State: 7,53
